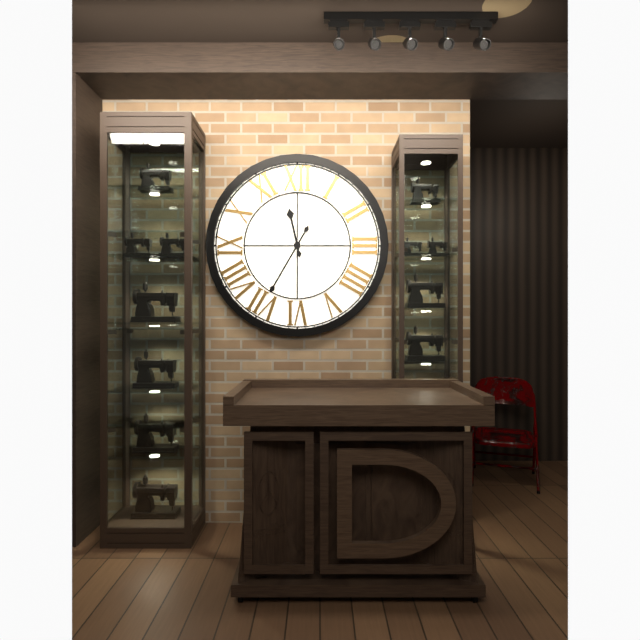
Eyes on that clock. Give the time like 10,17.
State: 11,35
